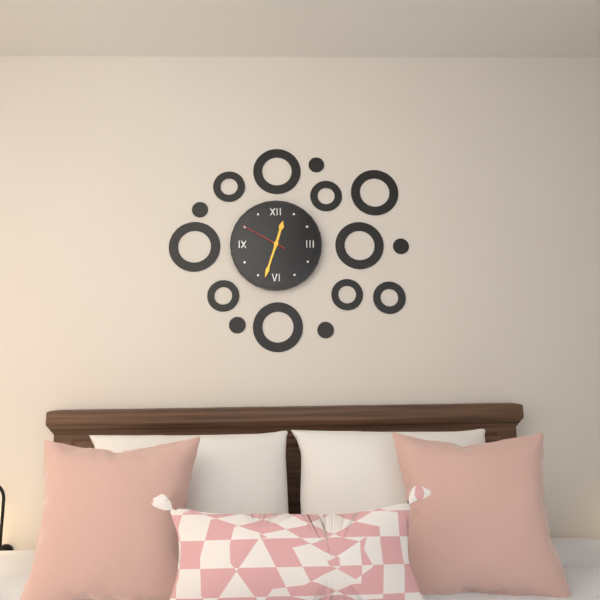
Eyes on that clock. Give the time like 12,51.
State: 12,33
